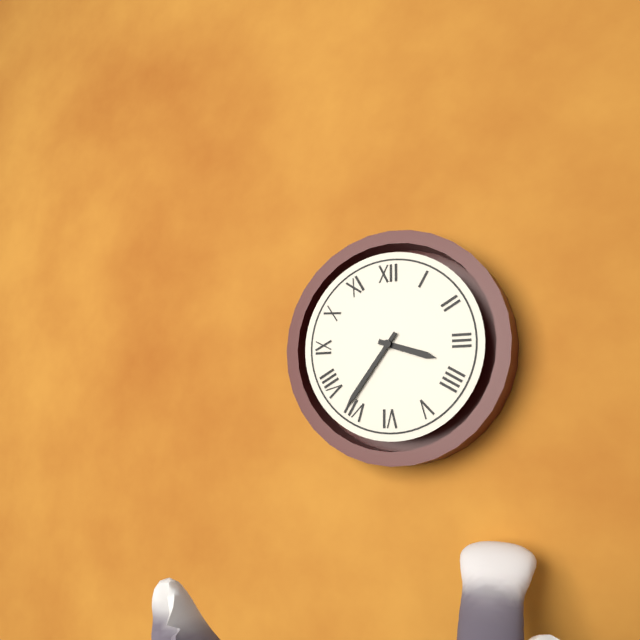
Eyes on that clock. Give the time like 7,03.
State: 3,36
